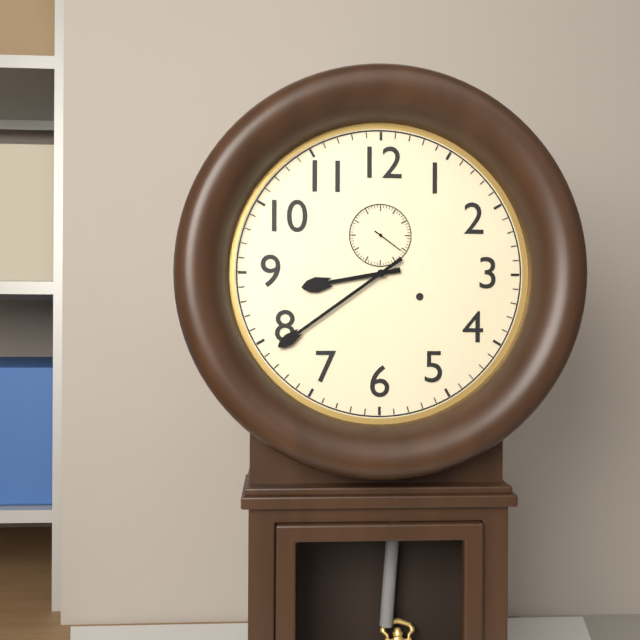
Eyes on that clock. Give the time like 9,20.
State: 8,39
